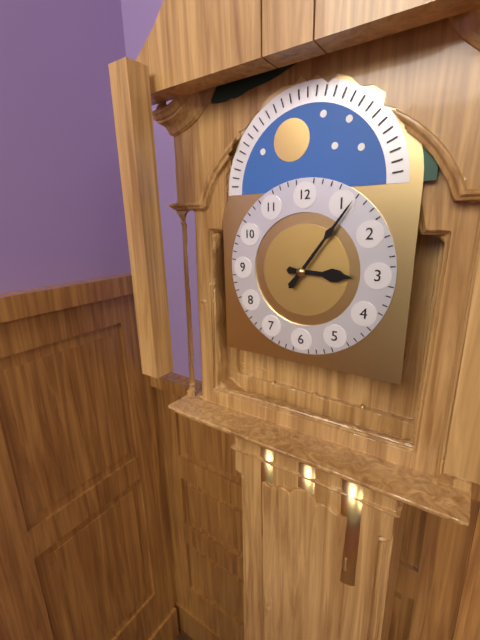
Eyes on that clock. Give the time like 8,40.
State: 3,06
